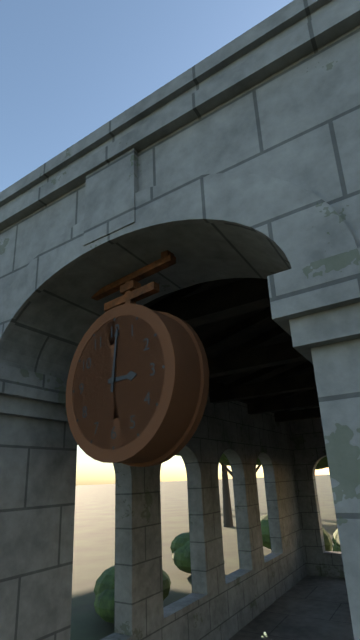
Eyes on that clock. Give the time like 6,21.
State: 3,01
